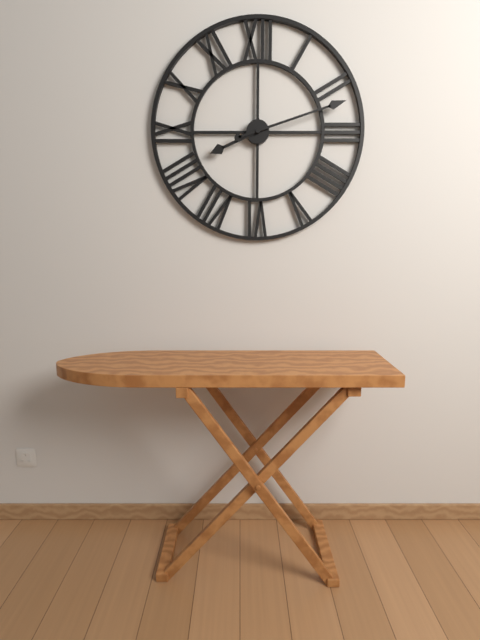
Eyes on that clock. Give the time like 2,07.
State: 8,12
